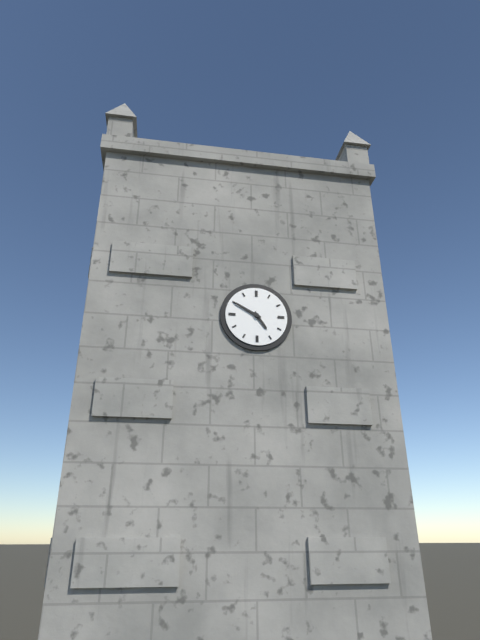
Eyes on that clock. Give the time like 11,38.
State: 4,50
